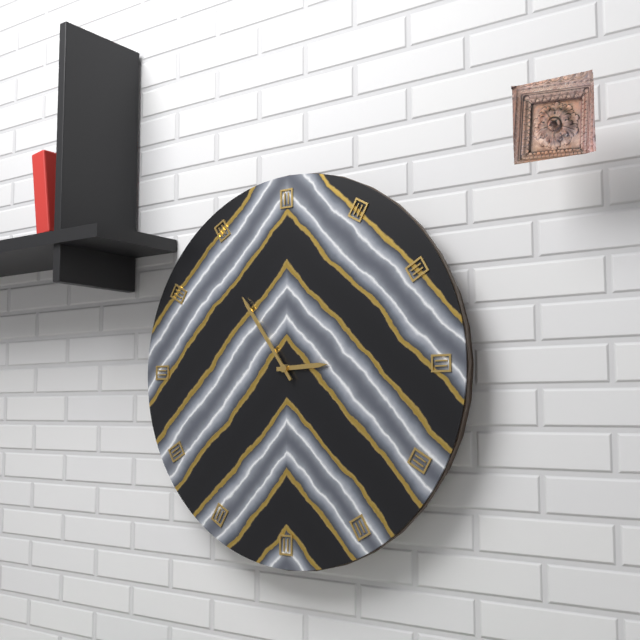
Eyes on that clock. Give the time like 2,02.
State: 2,54
